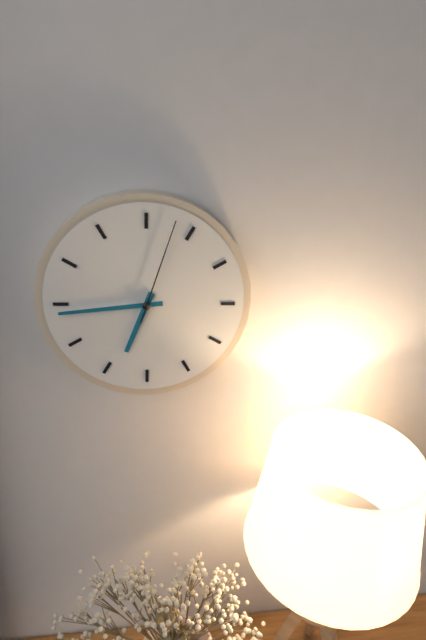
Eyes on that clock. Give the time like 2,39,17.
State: 6,44,03
